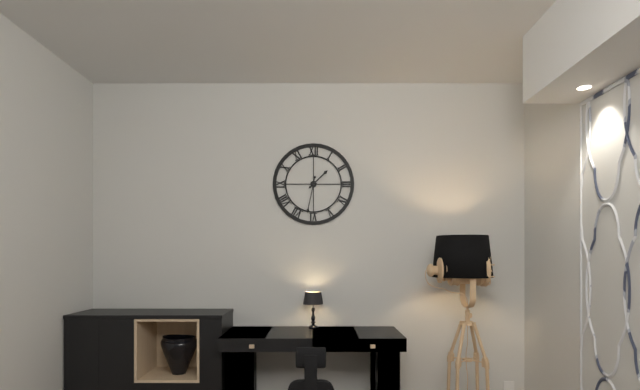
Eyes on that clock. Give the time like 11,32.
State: 1,32
